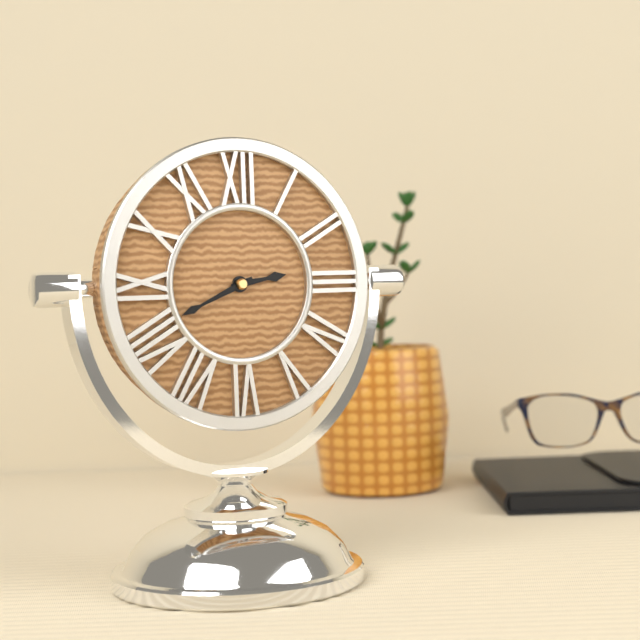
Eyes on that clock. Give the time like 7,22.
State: 2,41
